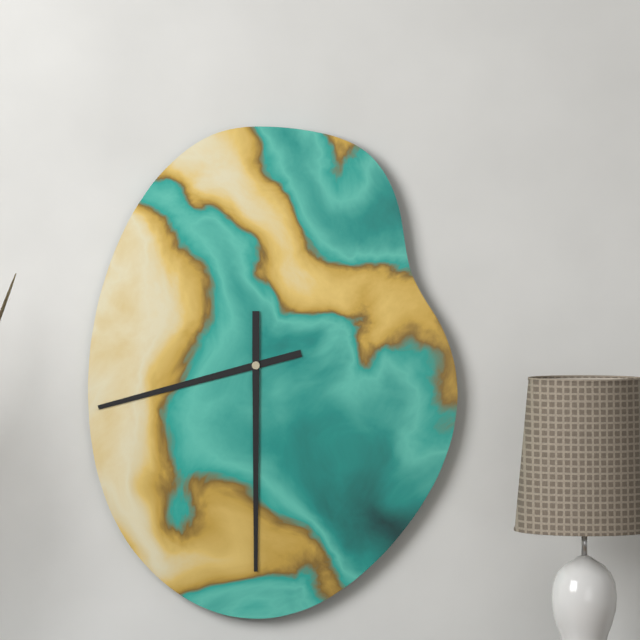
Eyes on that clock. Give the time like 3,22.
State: 8,30
